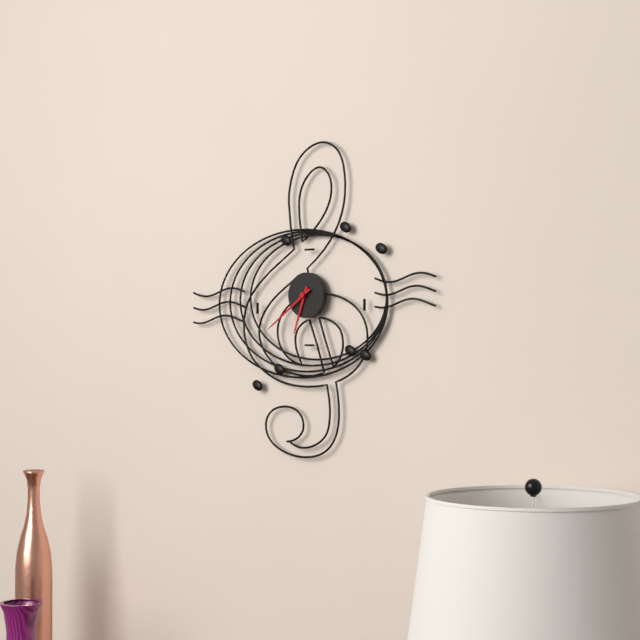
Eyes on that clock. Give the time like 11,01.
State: 6,39
